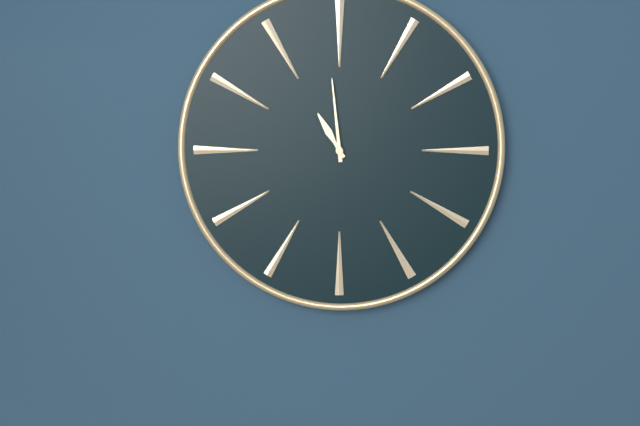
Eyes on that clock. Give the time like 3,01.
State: 10,59
